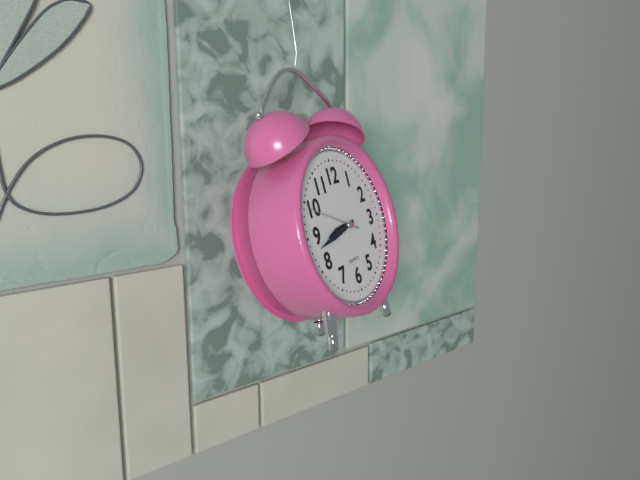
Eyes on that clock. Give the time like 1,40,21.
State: 8,43,49
